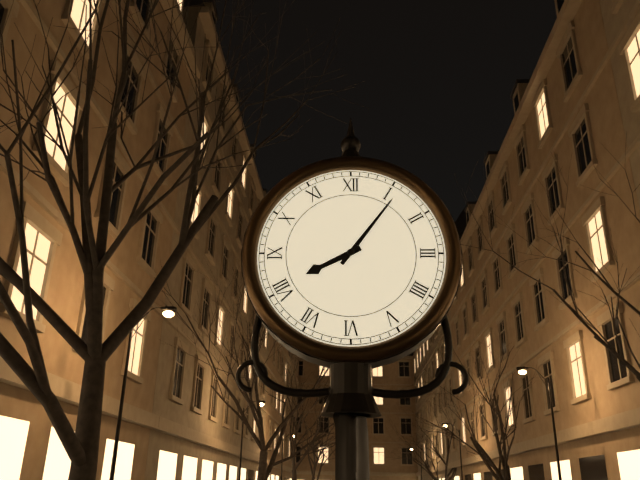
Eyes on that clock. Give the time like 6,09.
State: 8,06
